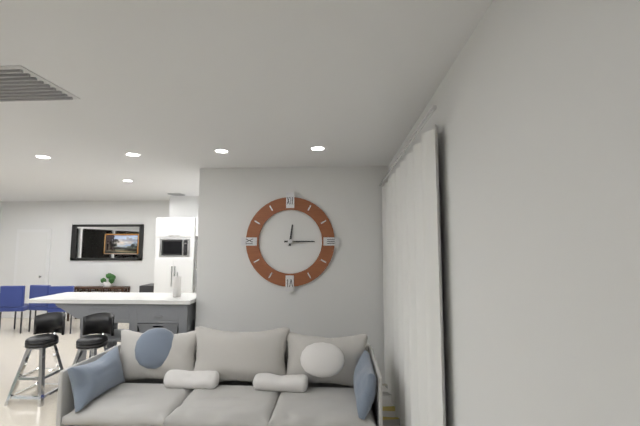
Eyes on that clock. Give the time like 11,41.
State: 12,15
